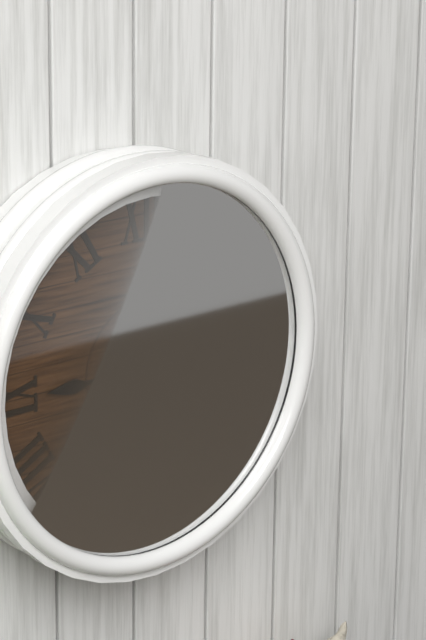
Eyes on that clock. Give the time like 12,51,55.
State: 4,45,23
